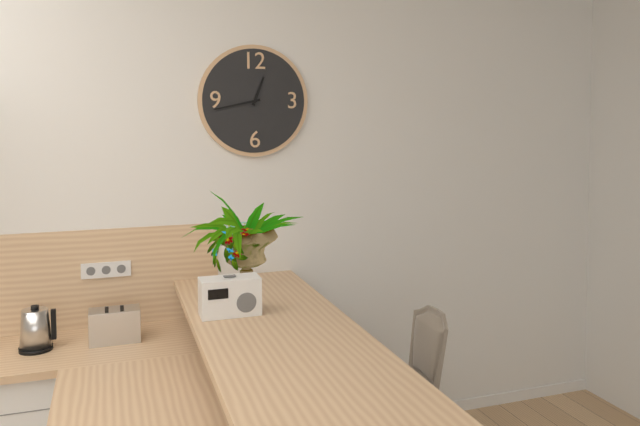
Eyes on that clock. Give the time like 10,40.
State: 12,43
